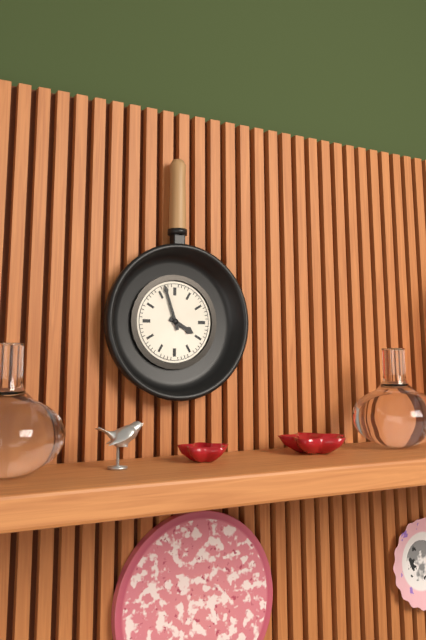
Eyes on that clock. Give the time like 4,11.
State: 3,57
